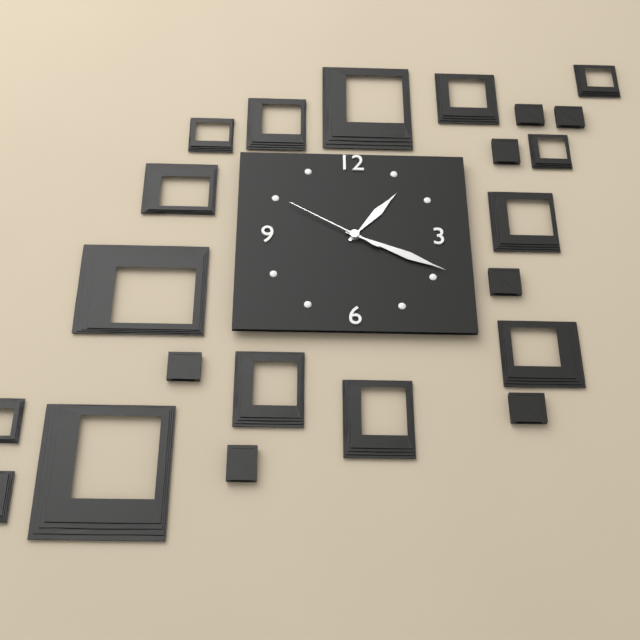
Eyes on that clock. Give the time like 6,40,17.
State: 1,19,50
